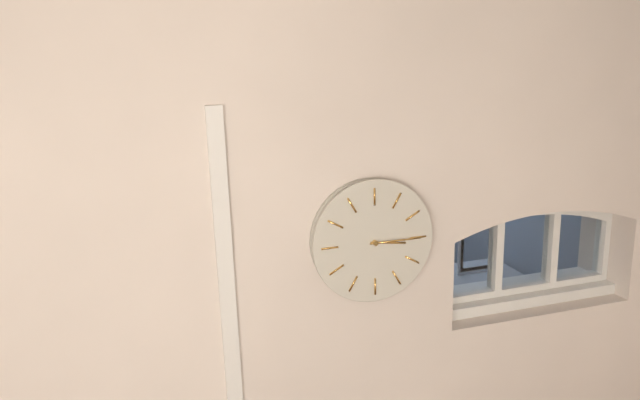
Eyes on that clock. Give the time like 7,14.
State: 3,15
